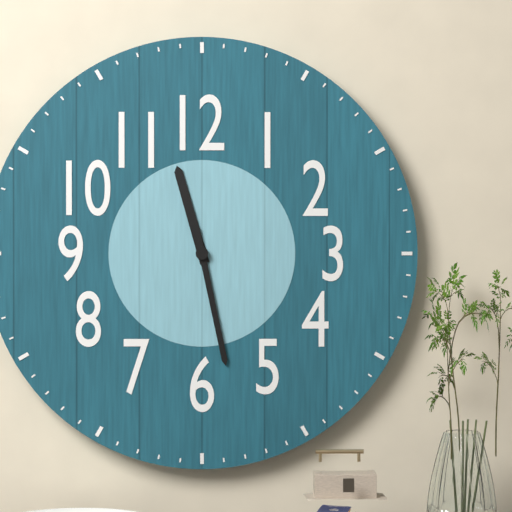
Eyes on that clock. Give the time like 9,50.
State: 11,28
